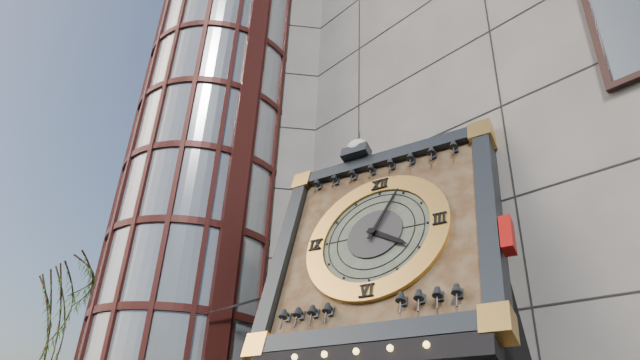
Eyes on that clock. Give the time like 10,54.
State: 4,04
